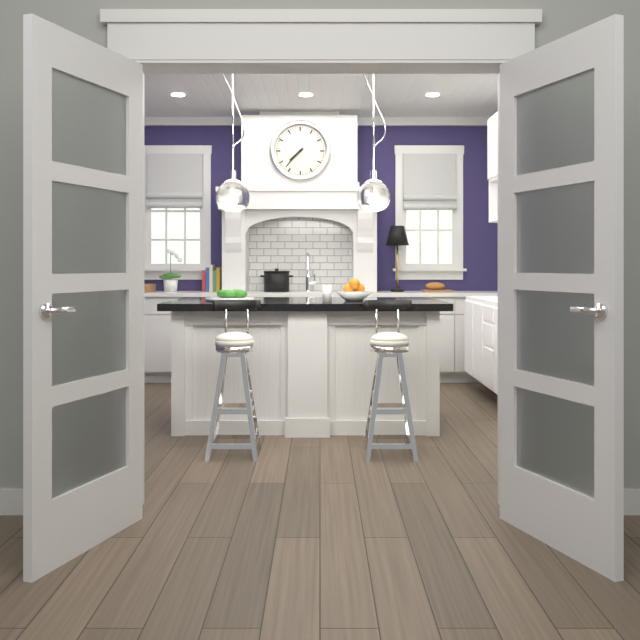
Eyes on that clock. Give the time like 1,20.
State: 7,37
